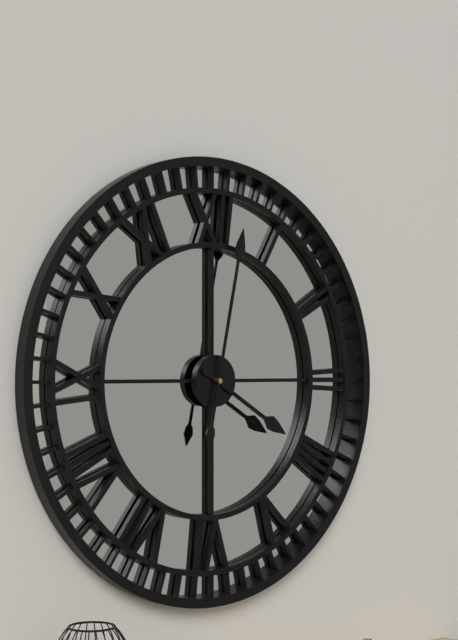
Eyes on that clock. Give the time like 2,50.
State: 4,02
